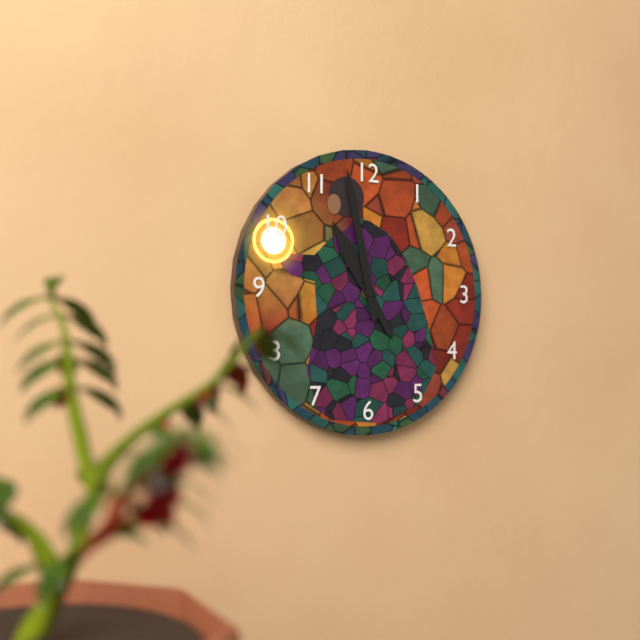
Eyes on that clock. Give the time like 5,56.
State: 10,58
